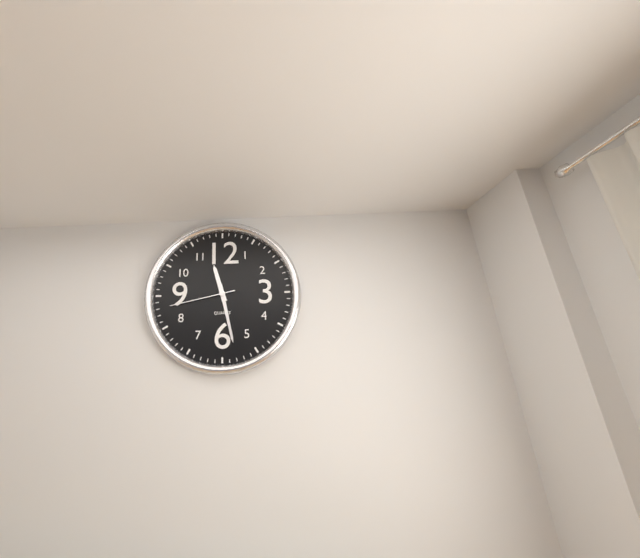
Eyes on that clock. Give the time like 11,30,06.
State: 11,28,43
